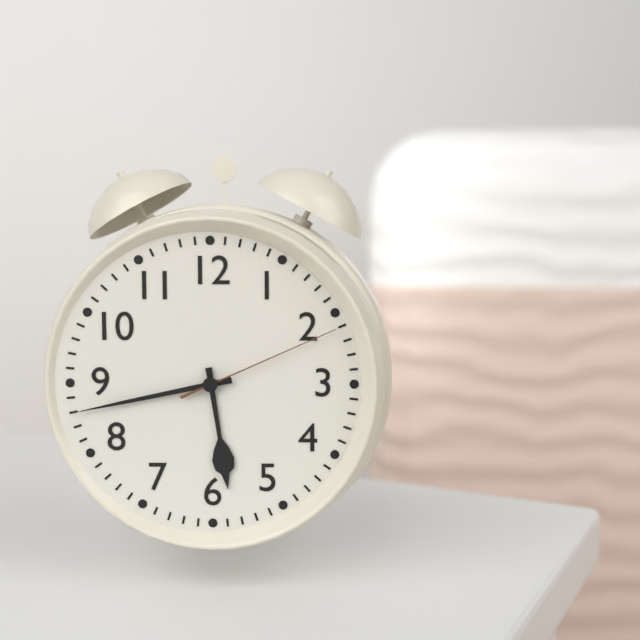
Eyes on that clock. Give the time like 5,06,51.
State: 5,43,11
